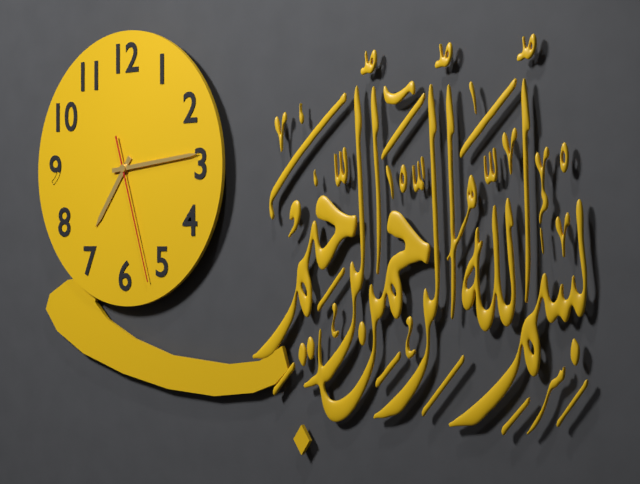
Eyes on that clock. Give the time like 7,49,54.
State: 7,14,27
